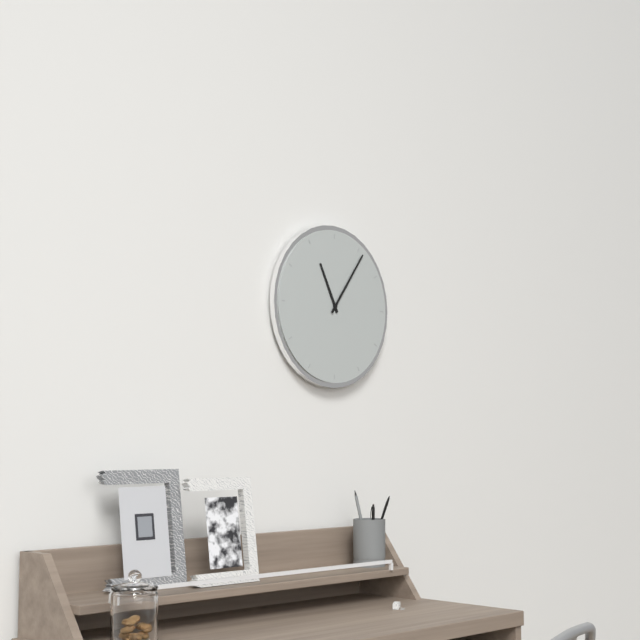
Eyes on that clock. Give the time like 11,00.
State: 11,06
